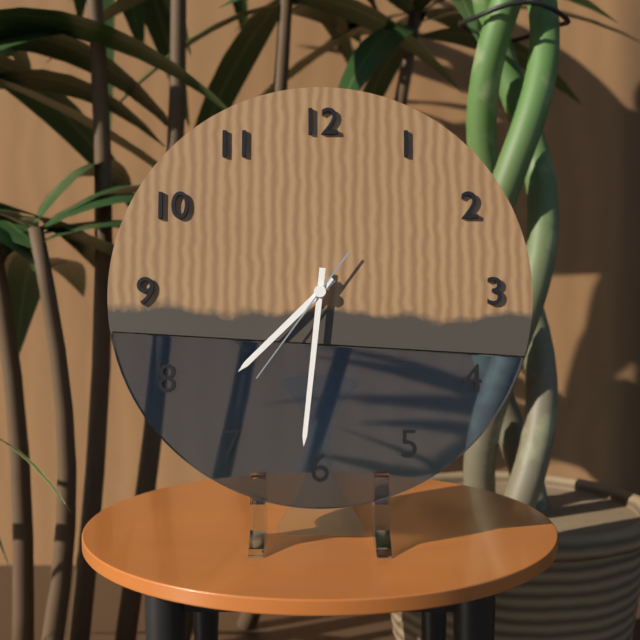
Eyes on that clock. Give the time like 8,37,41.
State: 7,31,36
